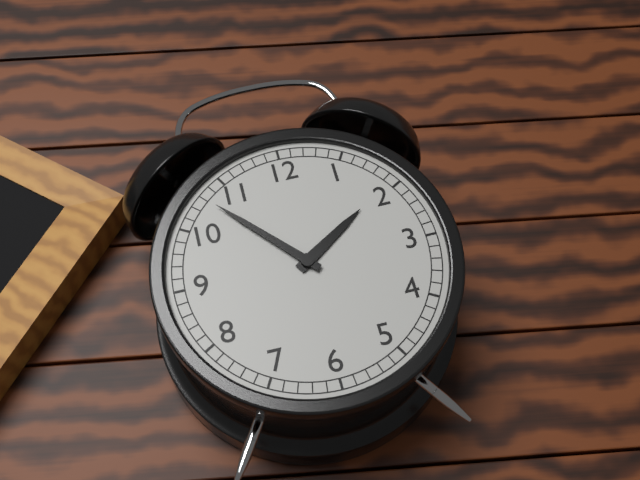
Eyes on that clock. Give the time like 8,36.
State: 1,53
